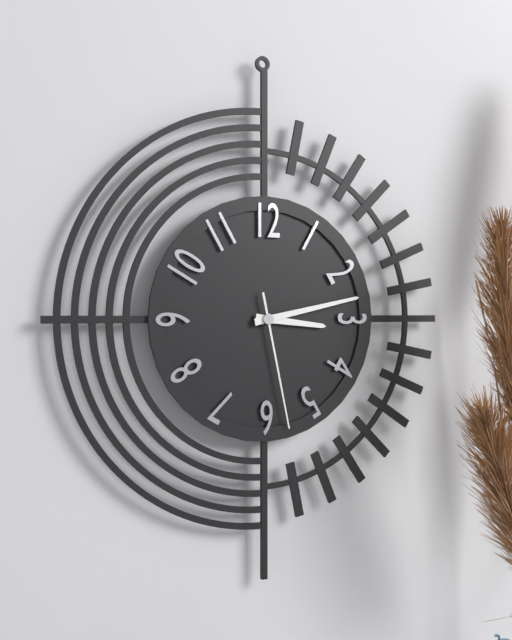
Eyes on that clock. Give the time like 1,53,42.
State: 3,13,28
